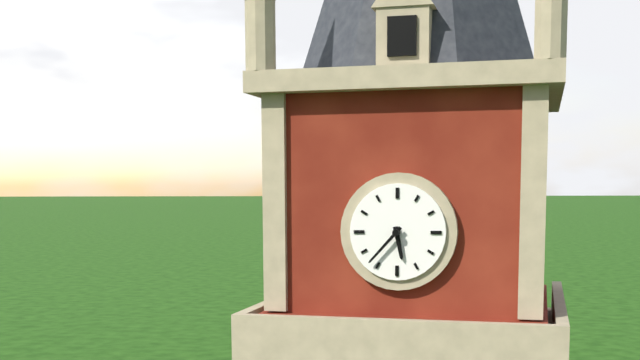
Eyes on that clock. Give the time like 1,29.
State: 5,37
